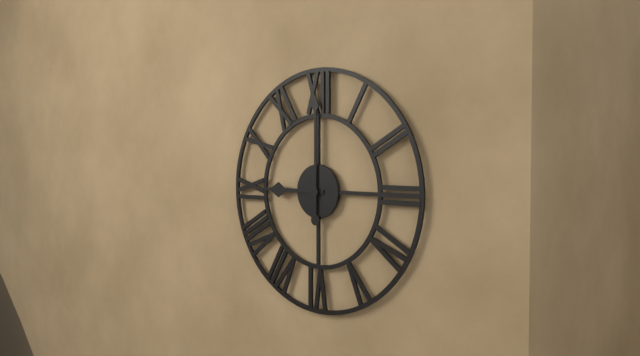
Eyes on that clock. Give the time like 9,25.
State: 9,00
